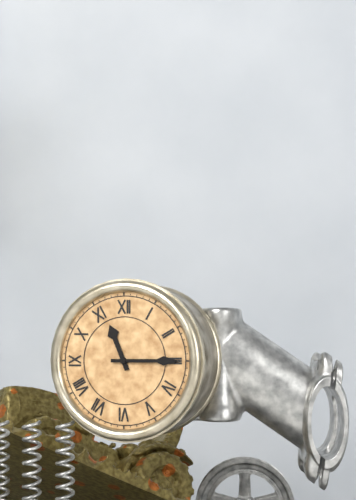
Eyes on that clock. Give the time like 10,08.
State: 11,15
